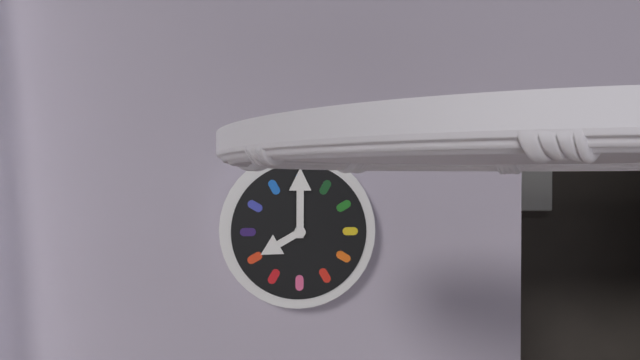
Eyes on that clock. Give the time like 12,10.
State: 8,00
